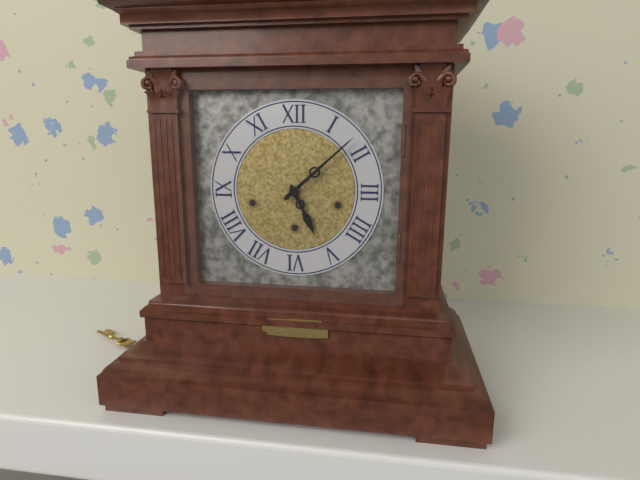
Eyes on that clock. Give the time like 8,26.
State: 5,08
